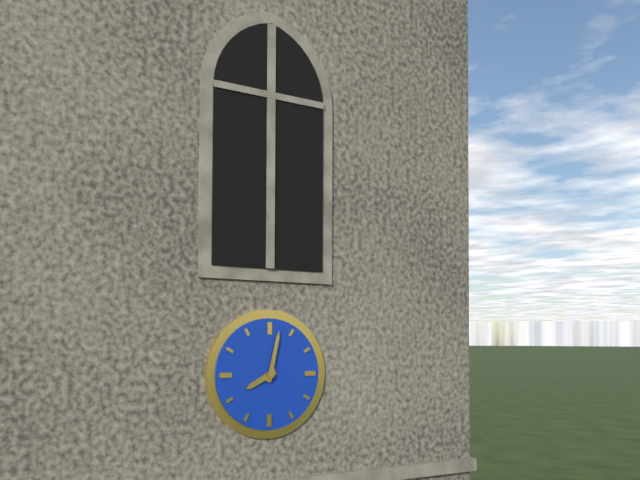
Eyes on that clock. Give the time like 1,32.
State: 8,02
